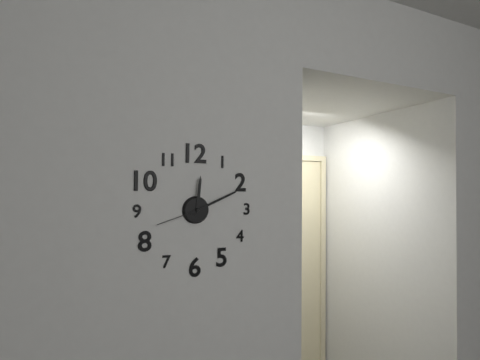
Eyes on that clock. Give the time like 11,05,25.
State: 12,11,42
